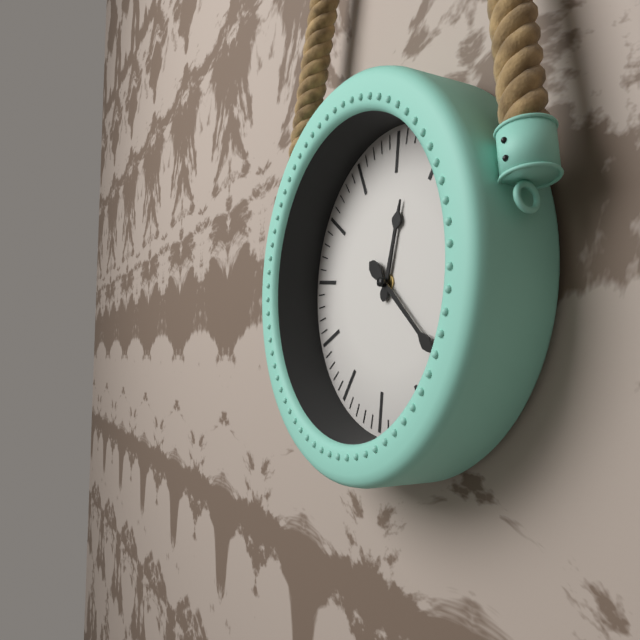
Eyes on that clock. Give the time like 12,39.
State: 12,21
